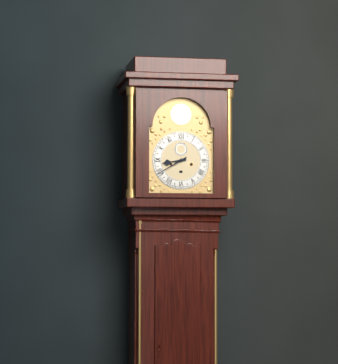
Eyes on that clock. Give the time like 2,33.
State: 8,40
